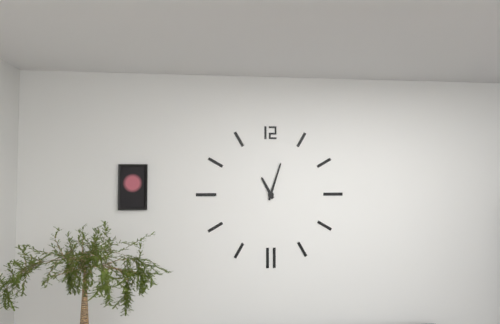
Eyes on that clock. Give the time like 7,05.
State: 11,03
